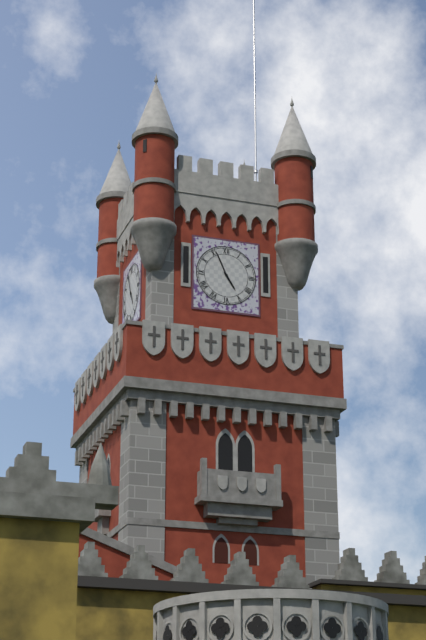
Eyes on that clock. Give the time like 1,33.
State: 4,56
